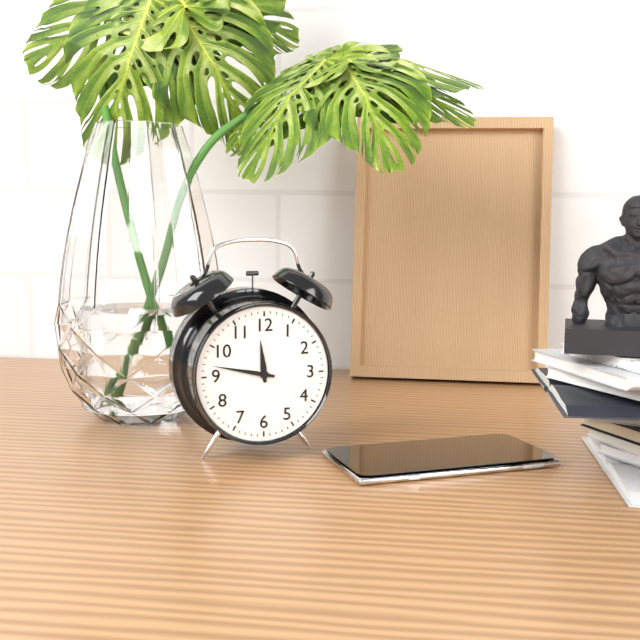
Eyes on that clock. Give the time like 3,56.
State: 11,47
